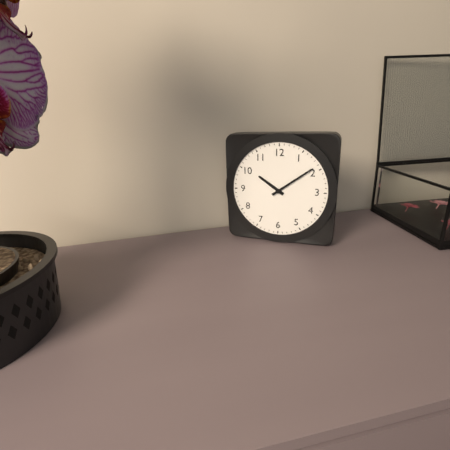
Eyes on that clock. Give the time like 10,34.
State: 10,09
